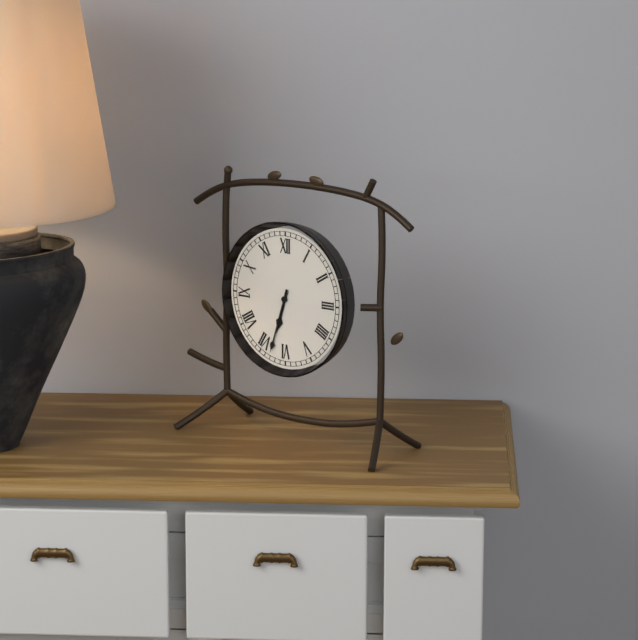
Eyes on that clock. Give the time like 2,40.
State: 6,33
